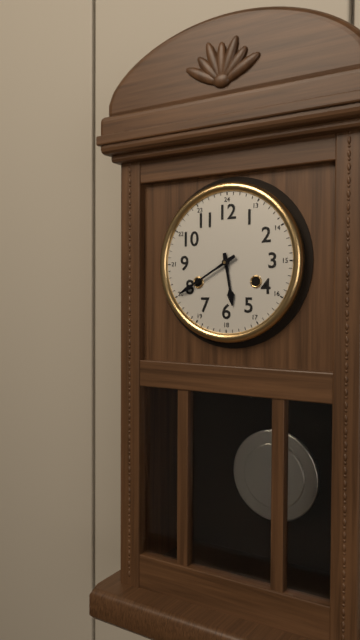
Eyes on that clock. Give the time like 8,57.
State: 5,40
